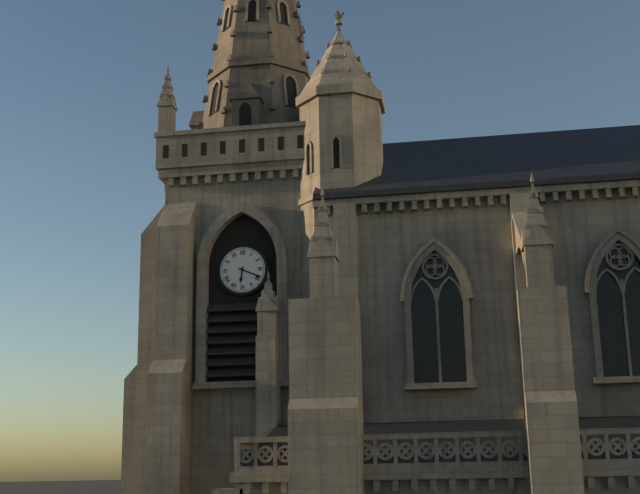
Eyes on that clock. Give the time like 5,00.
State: 6,19
